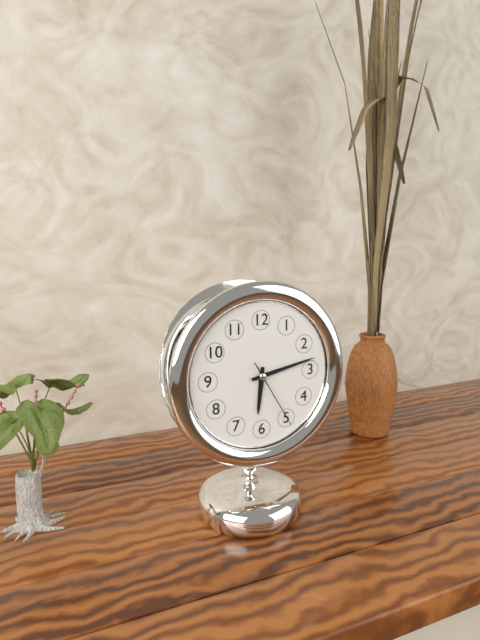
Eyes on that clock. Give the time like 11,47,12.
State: 6,13,25
